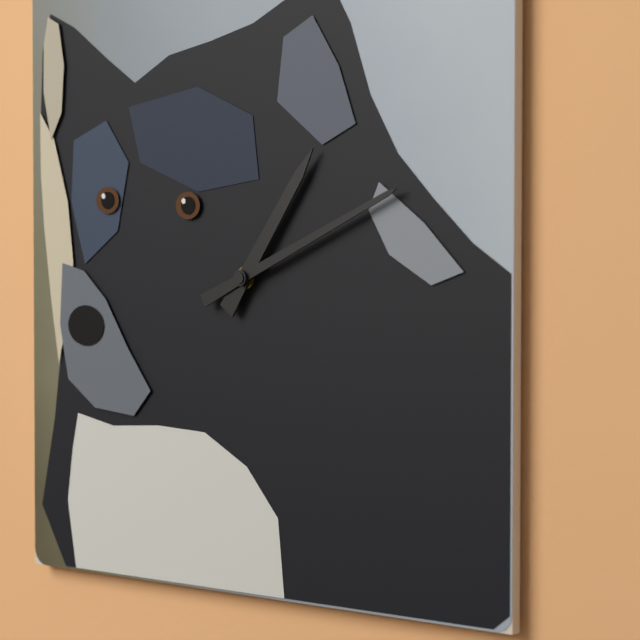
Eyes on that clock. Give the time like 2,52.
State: 1,11
